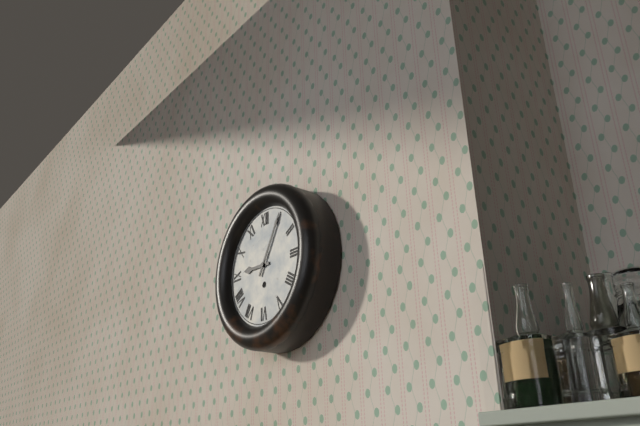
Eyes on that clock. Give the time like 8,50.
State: 9,05
